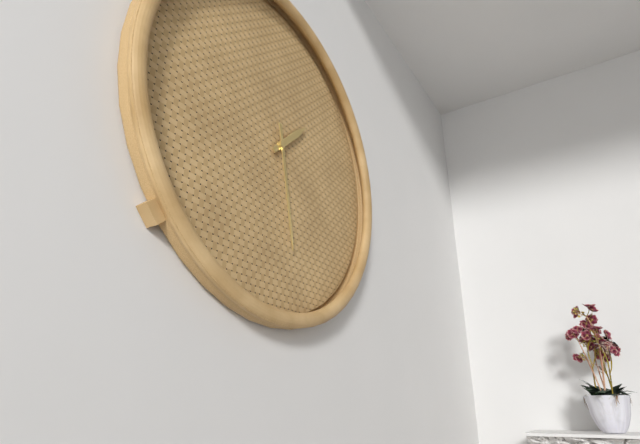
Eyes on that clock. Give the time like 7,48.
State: 1,28
